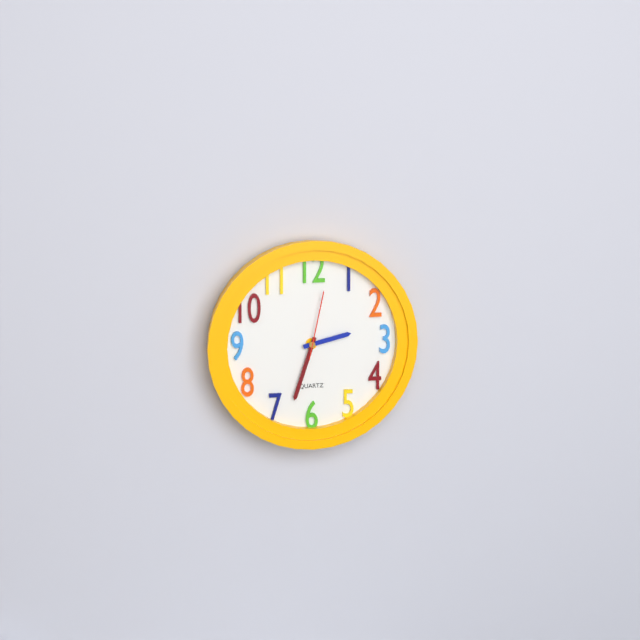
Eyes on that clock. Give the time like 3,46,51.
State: 2,33,02
